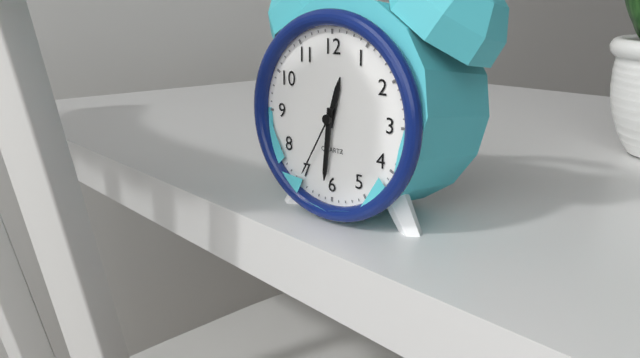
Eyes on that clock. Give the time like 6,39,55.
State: 12,31,35
